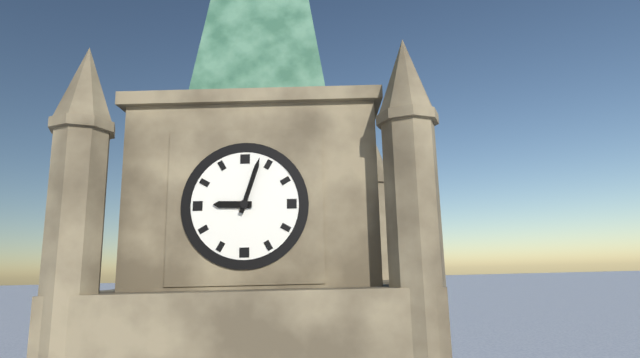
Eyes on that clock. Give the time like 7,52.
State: 9,03
